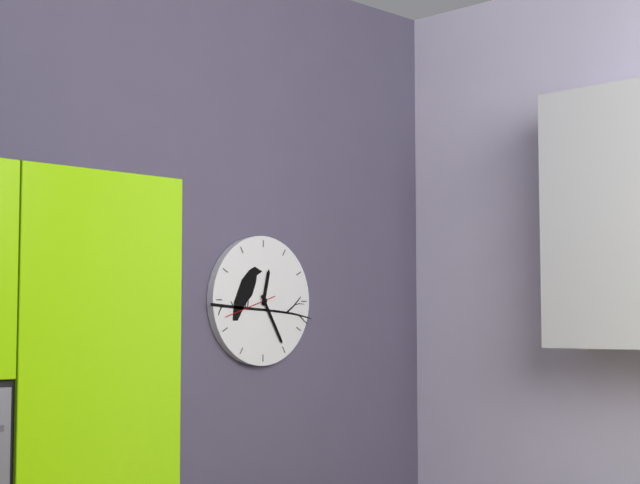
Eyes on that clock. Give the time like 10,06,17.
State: 12,25,42
